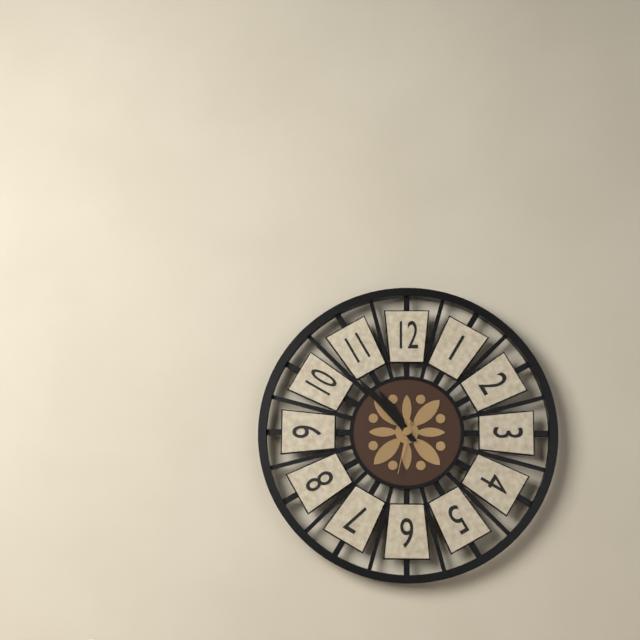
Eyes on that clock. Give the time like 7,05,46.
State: 10,53,32
